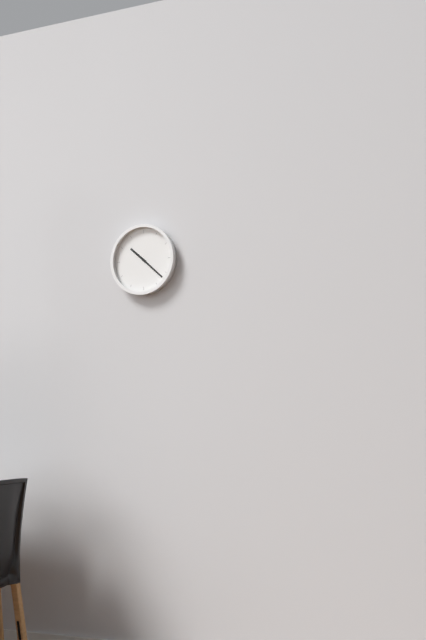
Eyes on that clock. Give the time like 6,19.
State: 10,22
